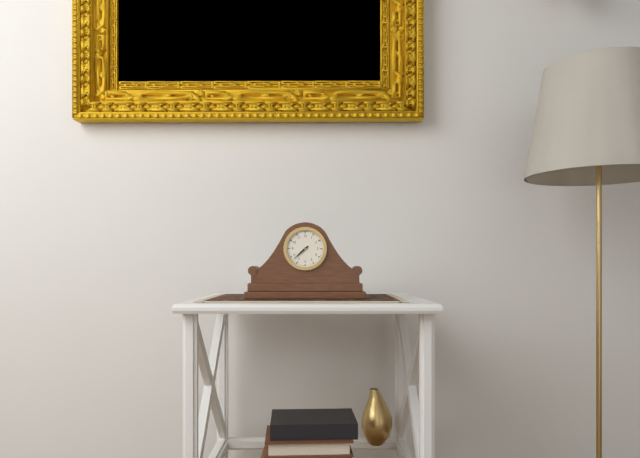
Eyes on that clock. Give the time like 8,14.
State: 7,38
